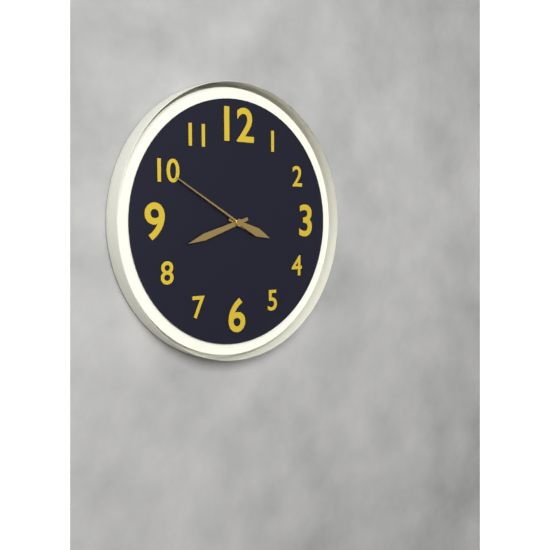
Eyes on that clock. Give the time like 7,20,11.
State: 3,42,50
